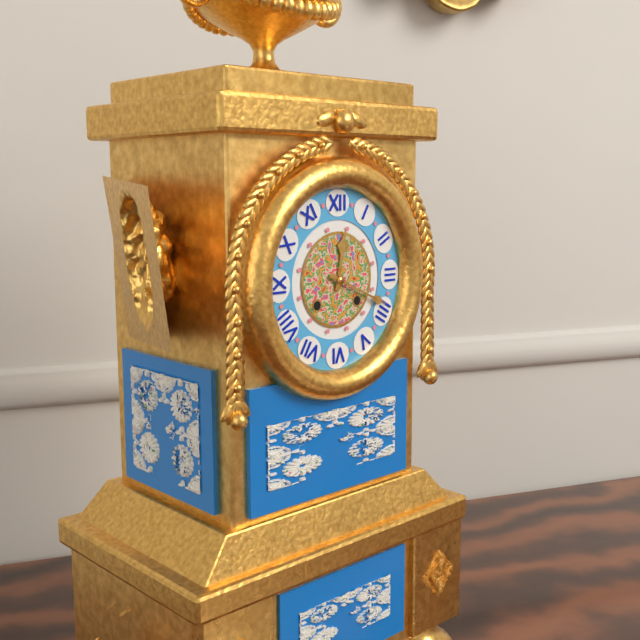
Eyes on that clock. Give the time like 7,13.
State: 12,19
